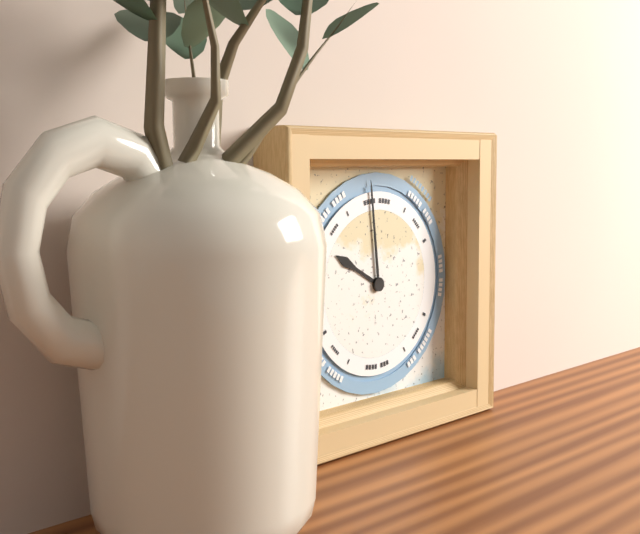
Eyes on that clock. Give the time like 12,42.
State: 9,59
